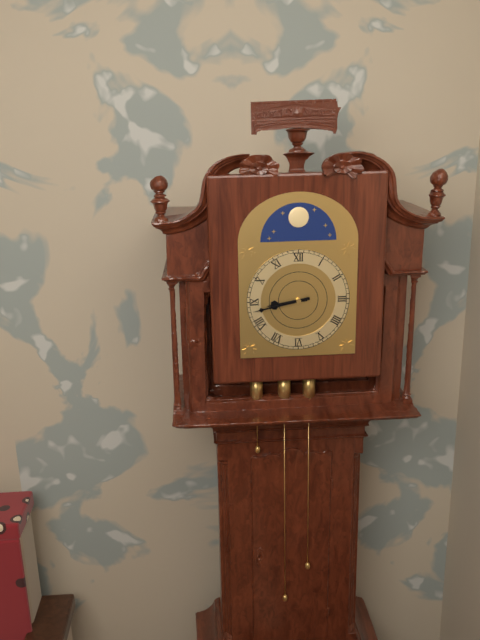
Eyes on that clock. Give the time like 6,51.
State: 8,43
